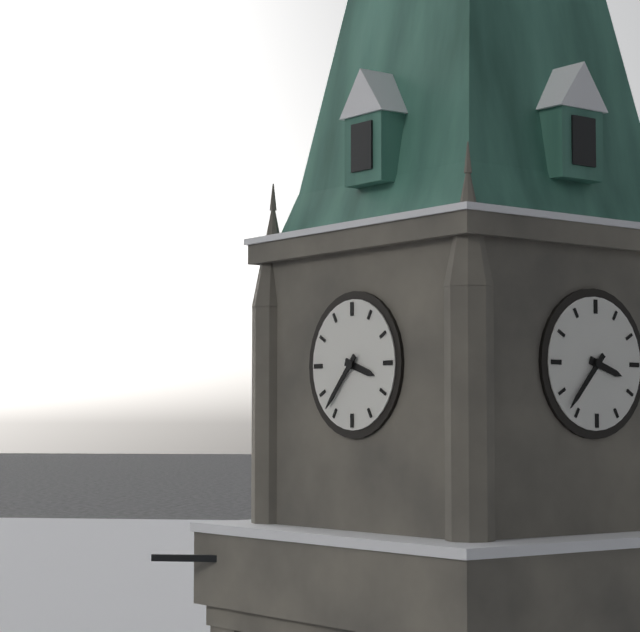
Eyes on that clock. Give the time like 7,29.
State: 3,37
